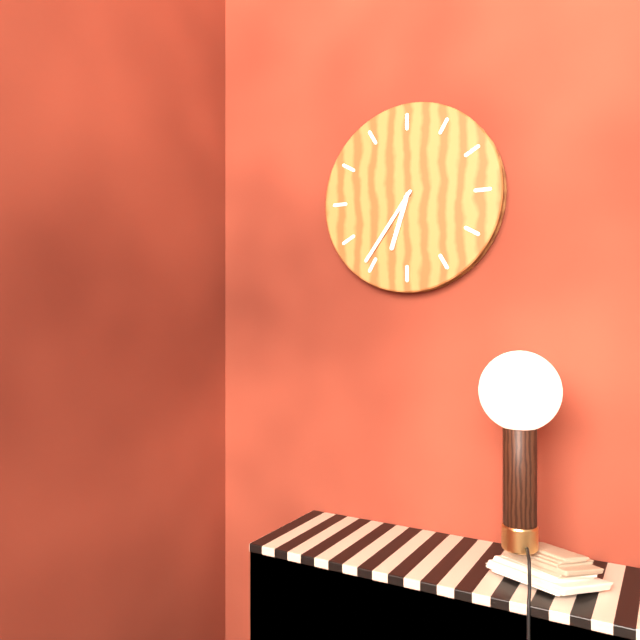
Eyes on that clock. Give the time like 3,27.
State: 6,36
